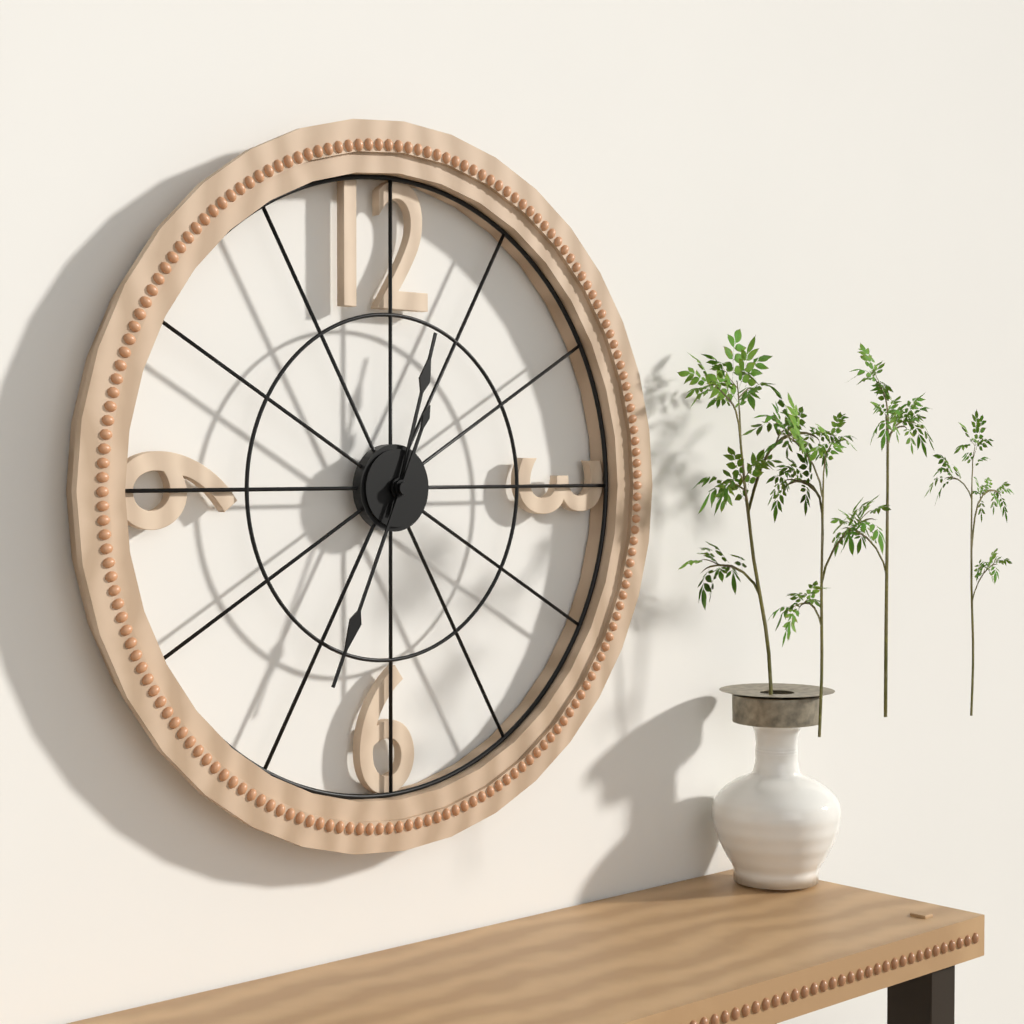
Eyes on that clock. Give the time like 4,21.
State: 12,34
